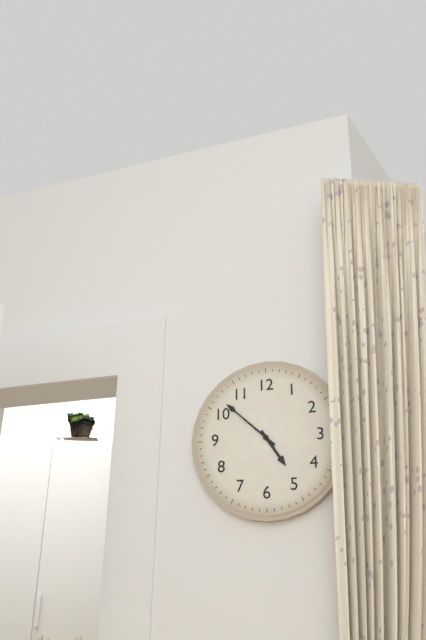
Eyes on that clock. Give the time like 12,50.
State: 4,52
